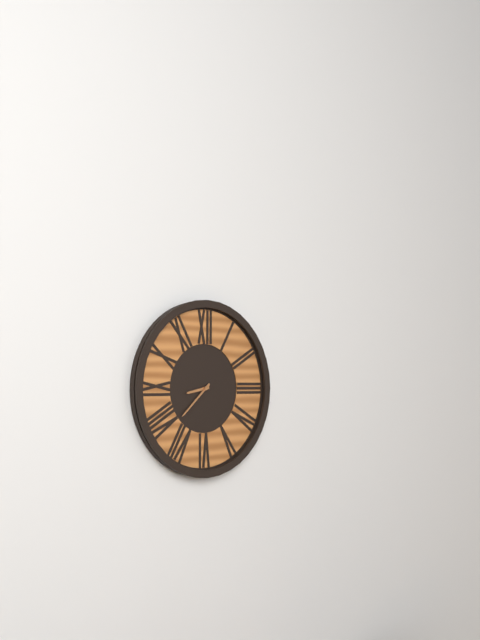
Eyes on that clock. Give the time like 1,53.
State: 8,38
